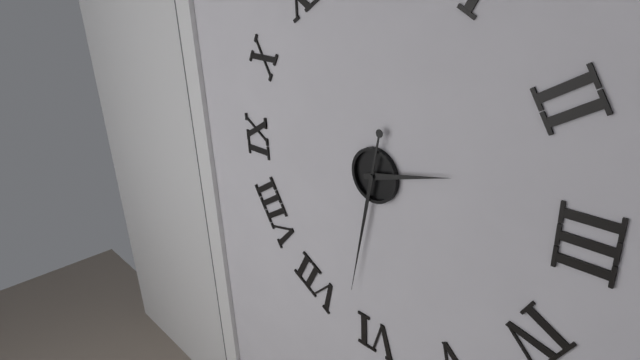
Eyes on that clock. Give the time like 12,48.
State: 2,32
